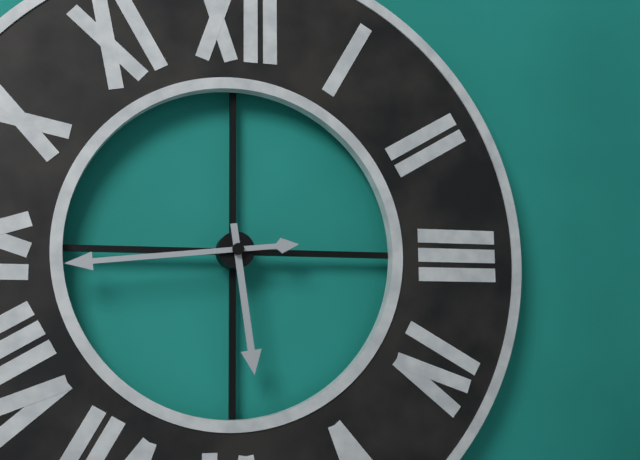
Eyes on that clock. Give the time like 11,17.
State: 5,44
